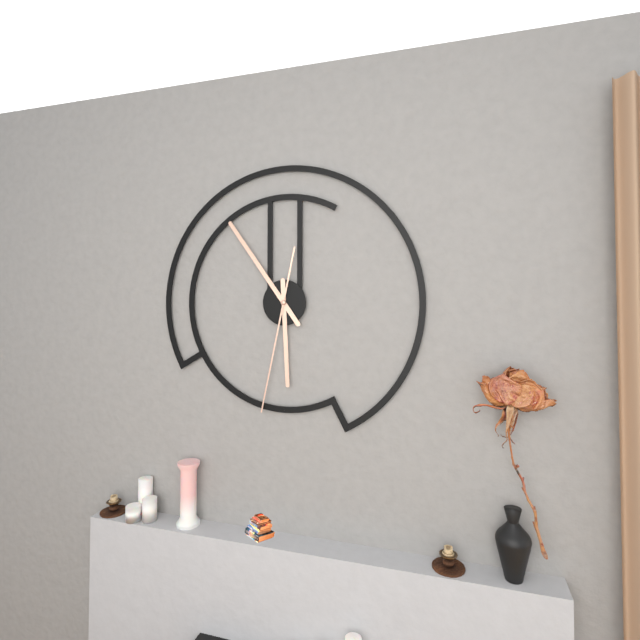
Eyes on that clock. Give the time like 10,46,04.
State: 5,54,32
